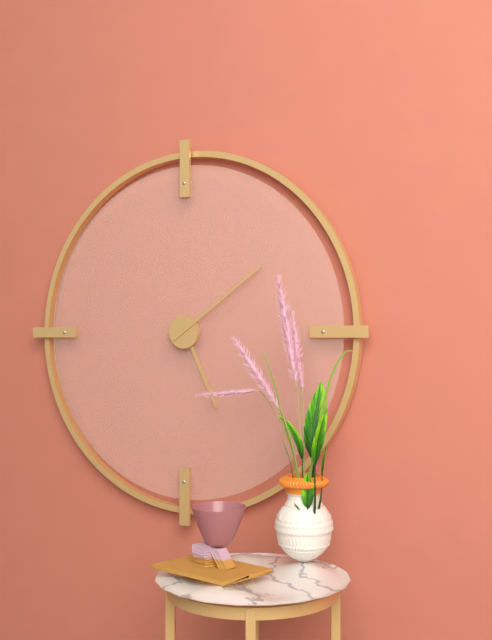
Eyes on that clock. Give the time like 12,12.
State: 5,09
